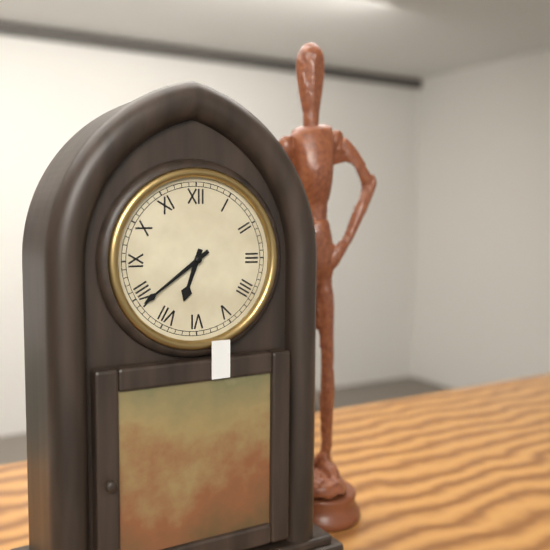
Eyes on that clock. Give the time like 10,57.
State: 6,39
